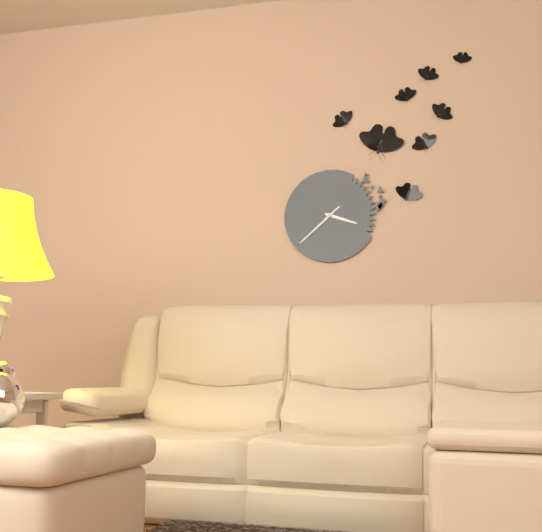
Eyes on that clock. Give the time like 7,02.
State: 3,38
